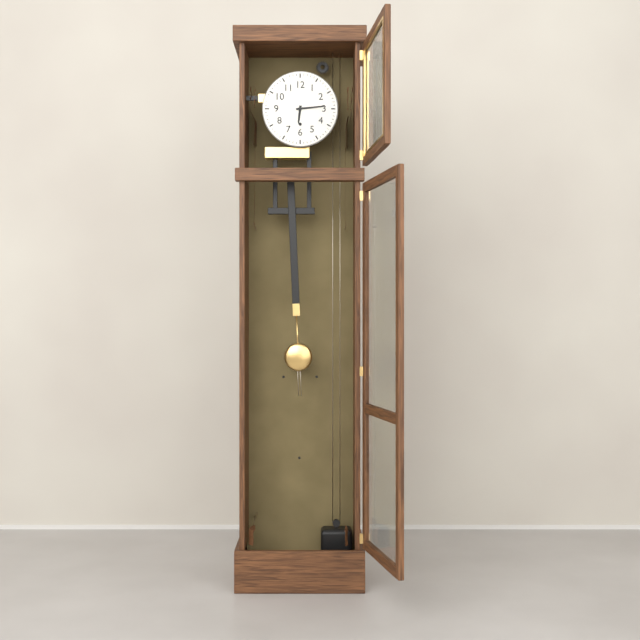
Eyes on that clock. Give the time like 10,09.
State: 6,14
